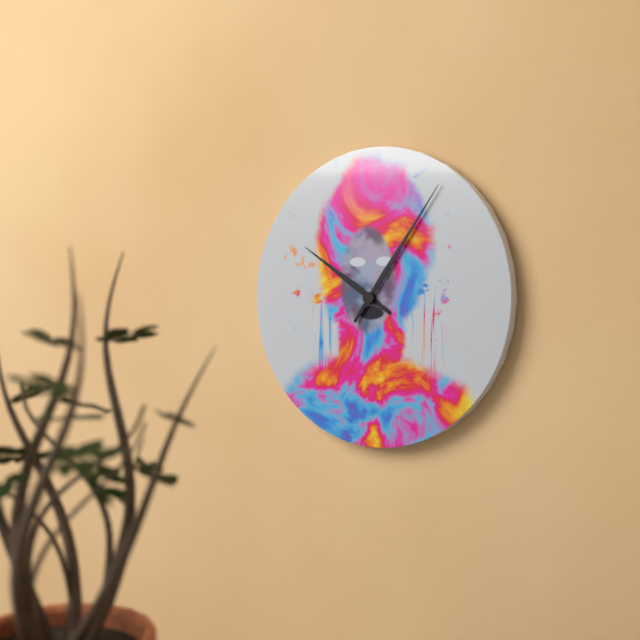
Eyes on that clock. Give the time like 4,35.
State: 10,06
